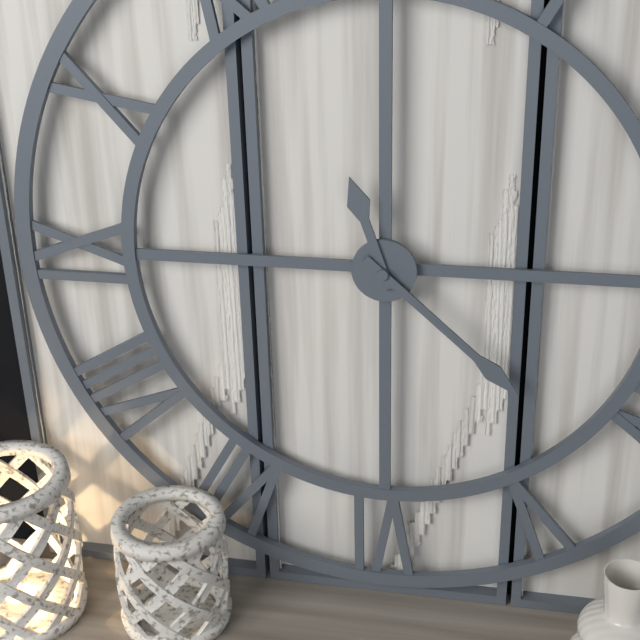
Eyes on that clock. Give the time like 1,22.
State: 11,22
